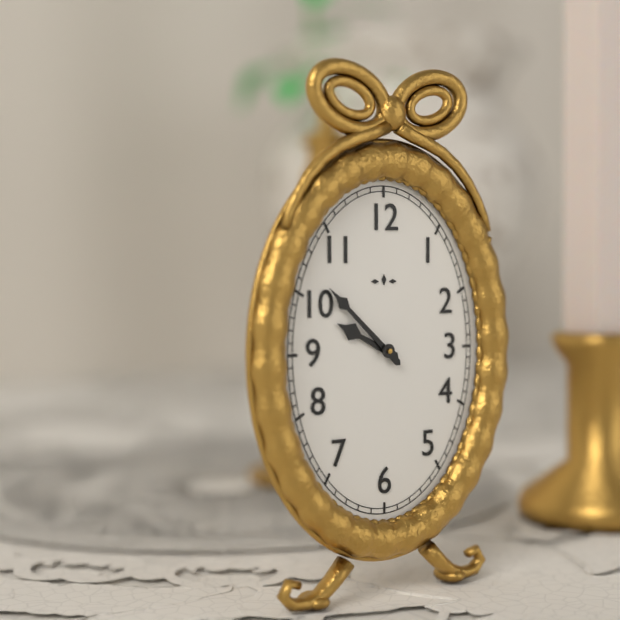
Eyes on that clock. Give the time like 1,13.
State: 9,52
